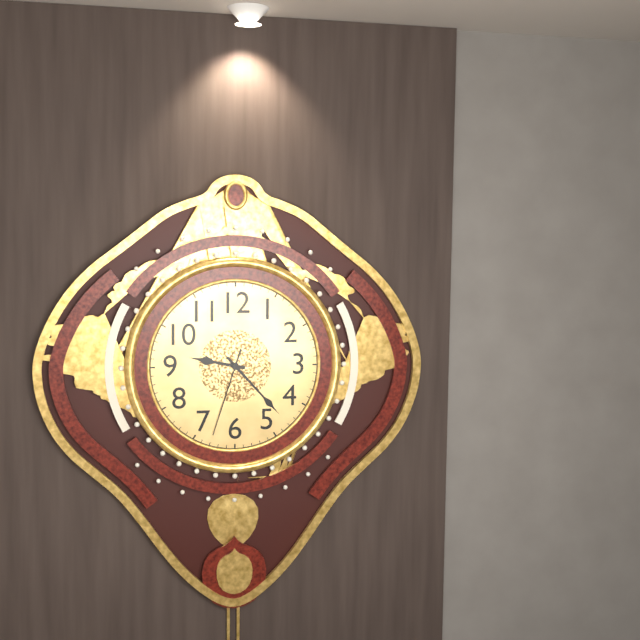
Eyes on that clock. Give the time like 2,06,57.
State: 9,23,33
